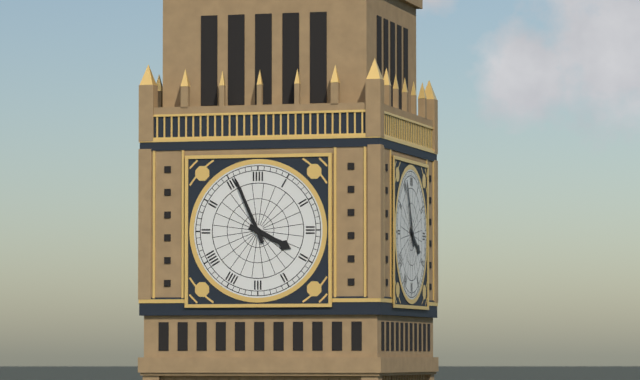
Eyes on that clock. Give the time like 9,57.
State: 3,56
